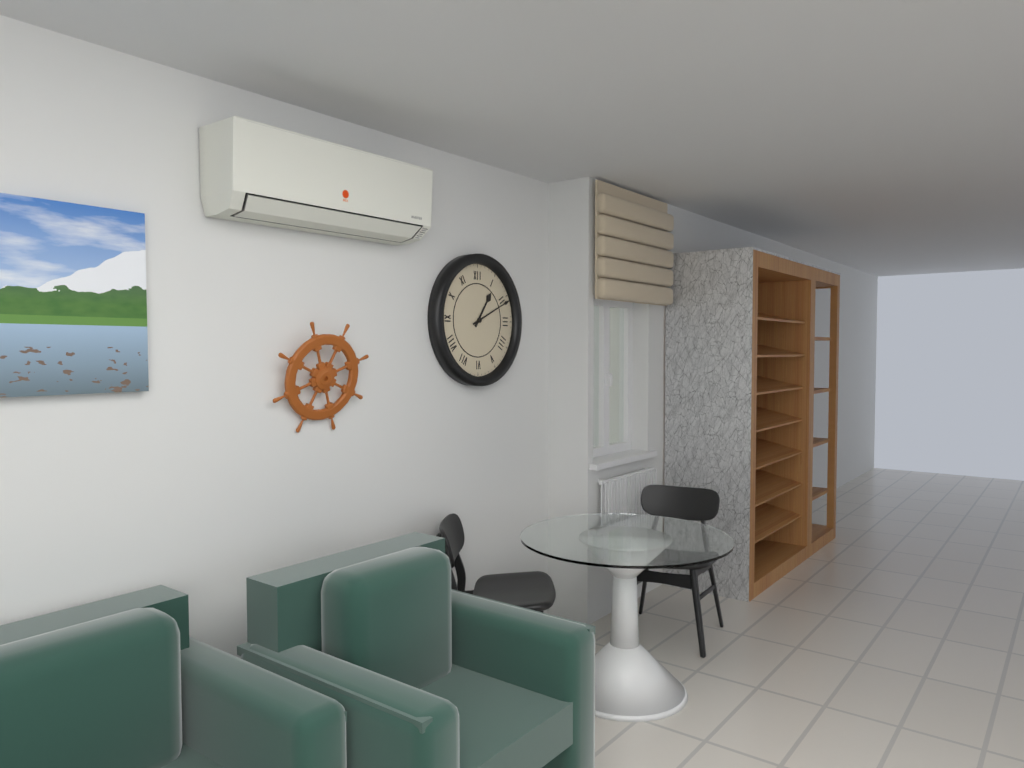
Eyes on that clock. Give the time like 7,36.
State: 1,11
